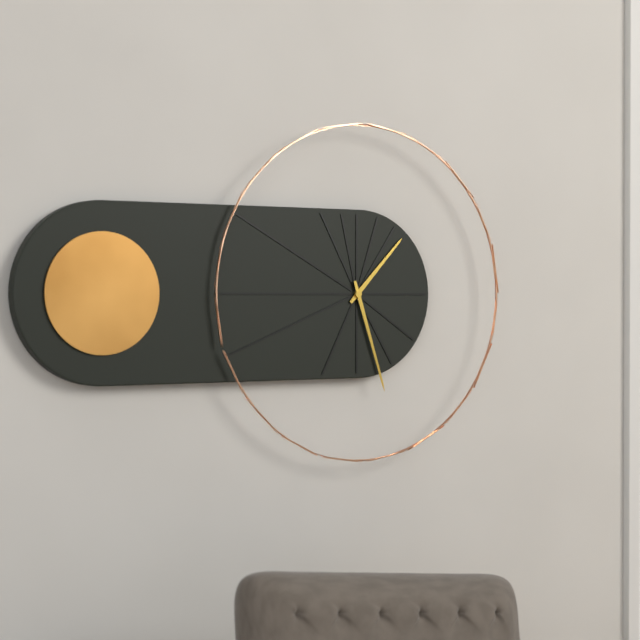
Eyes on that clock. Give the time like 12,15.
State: 1,27
